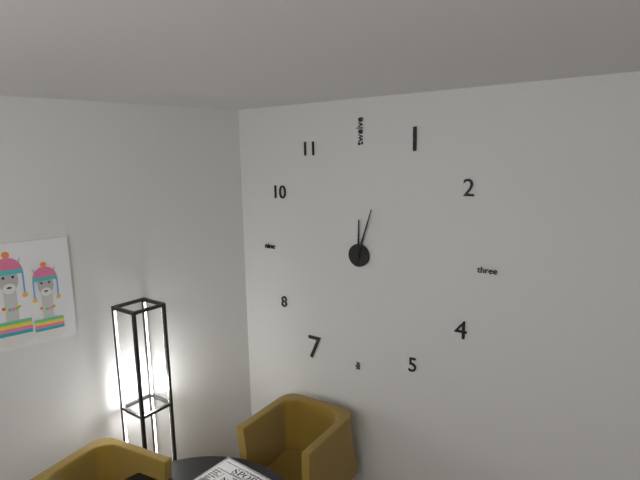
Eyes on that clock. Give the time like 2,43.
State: 12,03
